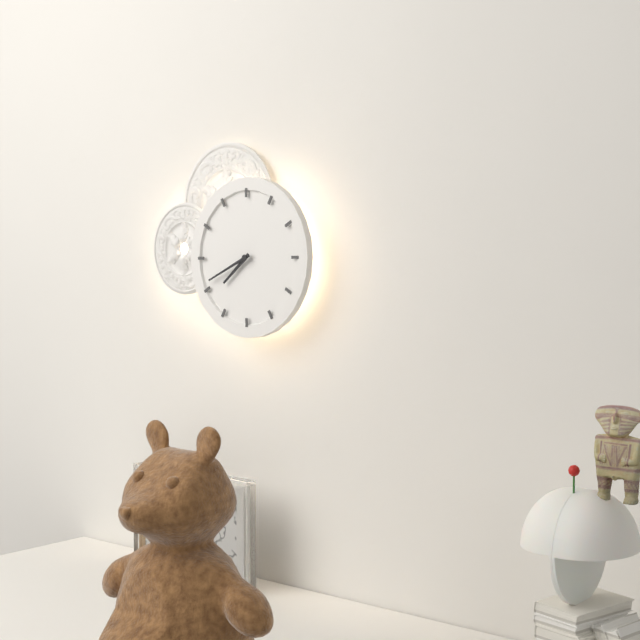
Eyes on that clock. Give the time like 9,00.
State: 7,41
